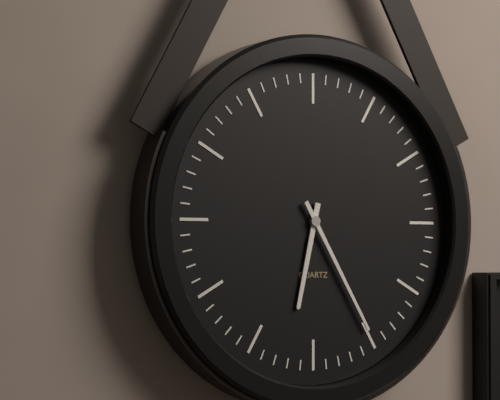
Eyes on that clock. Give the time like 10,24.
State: 6,25
